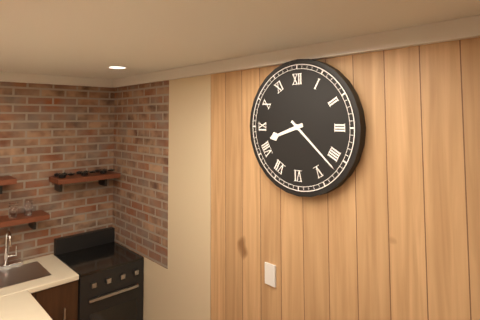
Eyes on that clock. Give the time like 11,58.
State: 8,22
